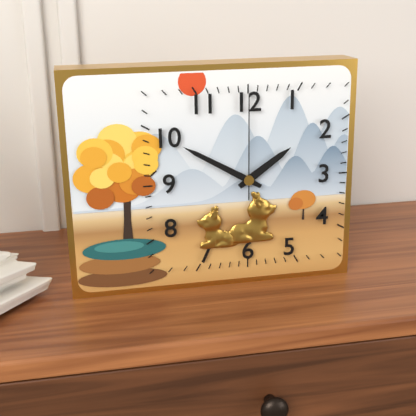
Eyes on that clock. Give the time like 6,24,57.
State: 1,50,00
